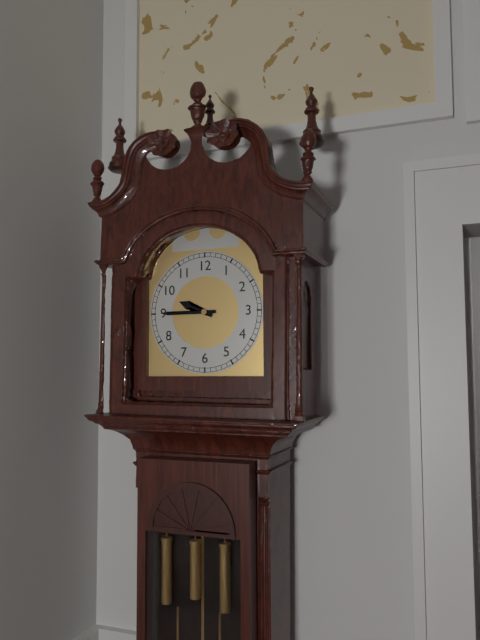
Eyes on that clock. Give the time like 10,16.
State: 9,45
